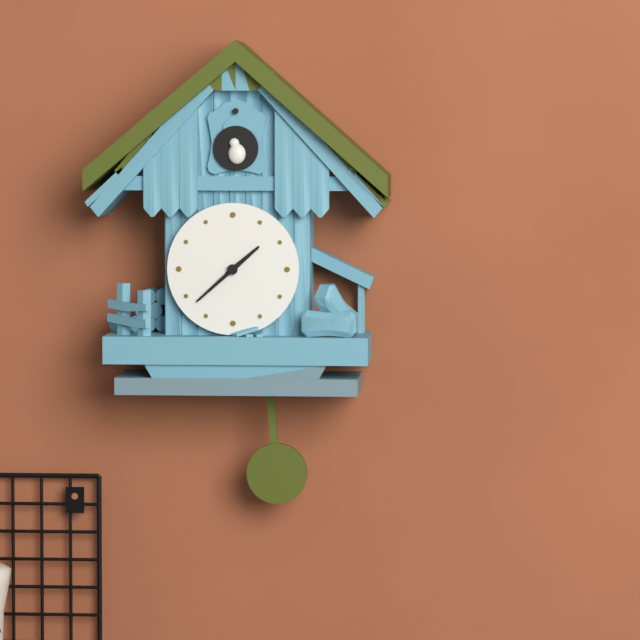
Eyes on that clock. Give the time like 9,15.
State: 1,38
